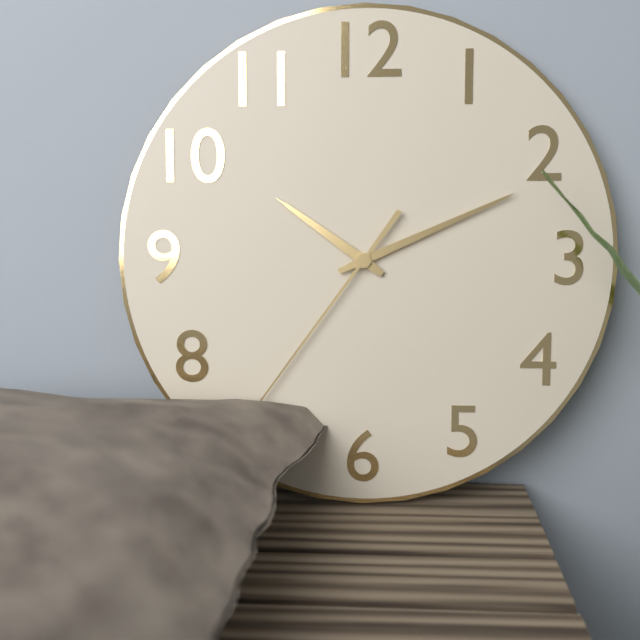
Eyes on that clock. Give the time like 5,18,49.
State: 10,11,36
